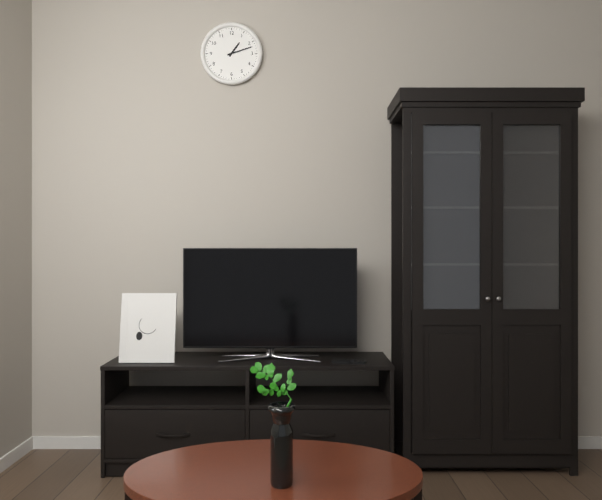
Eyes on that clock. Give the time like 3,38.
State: 1,12
